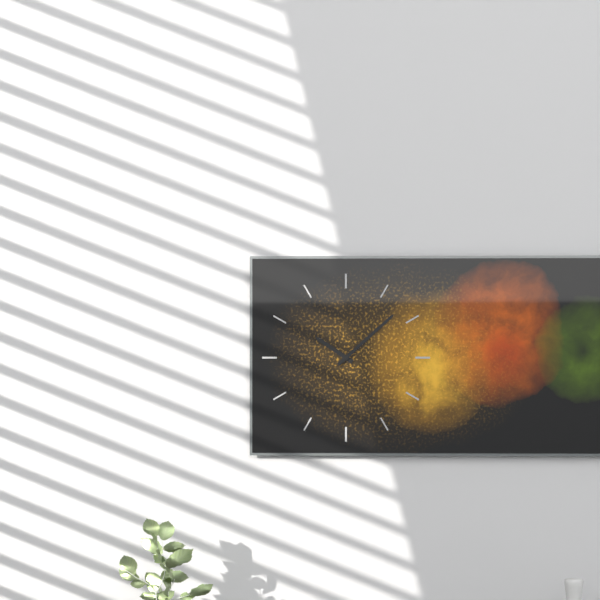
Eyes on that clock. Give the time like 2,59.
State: 10,08
